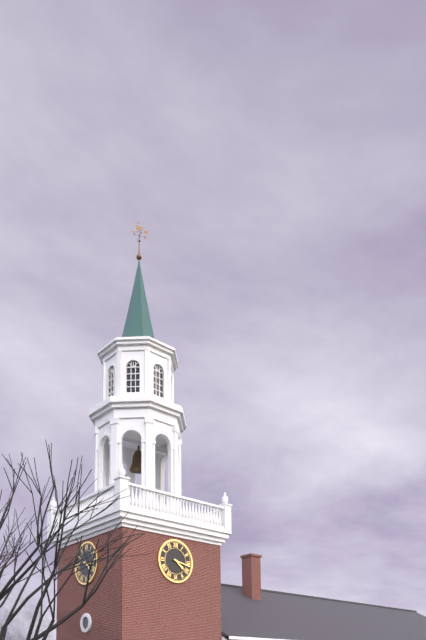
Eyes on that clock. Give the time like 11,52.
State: 4,17
